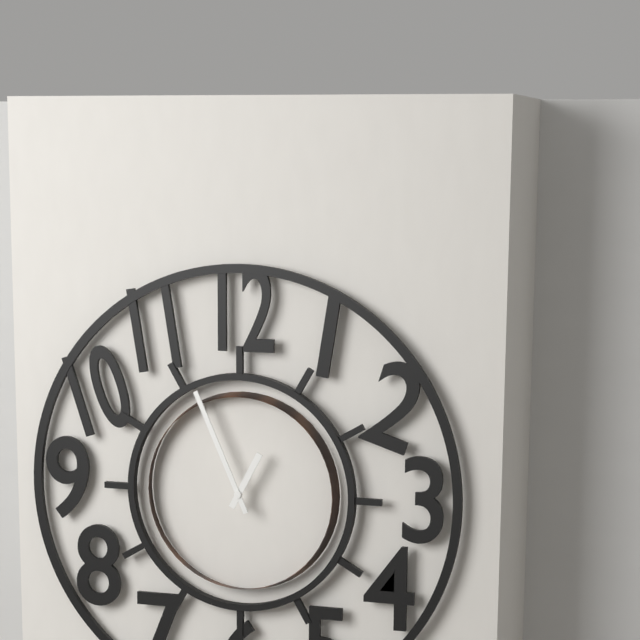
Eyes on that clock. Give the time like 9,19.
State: 12,56
